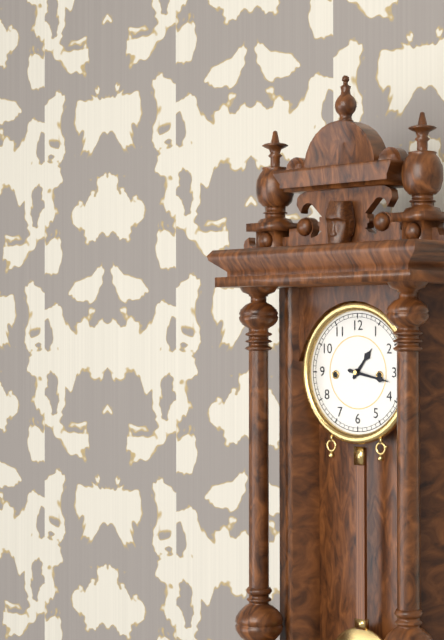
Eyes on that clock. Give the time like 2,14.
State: 1,17
